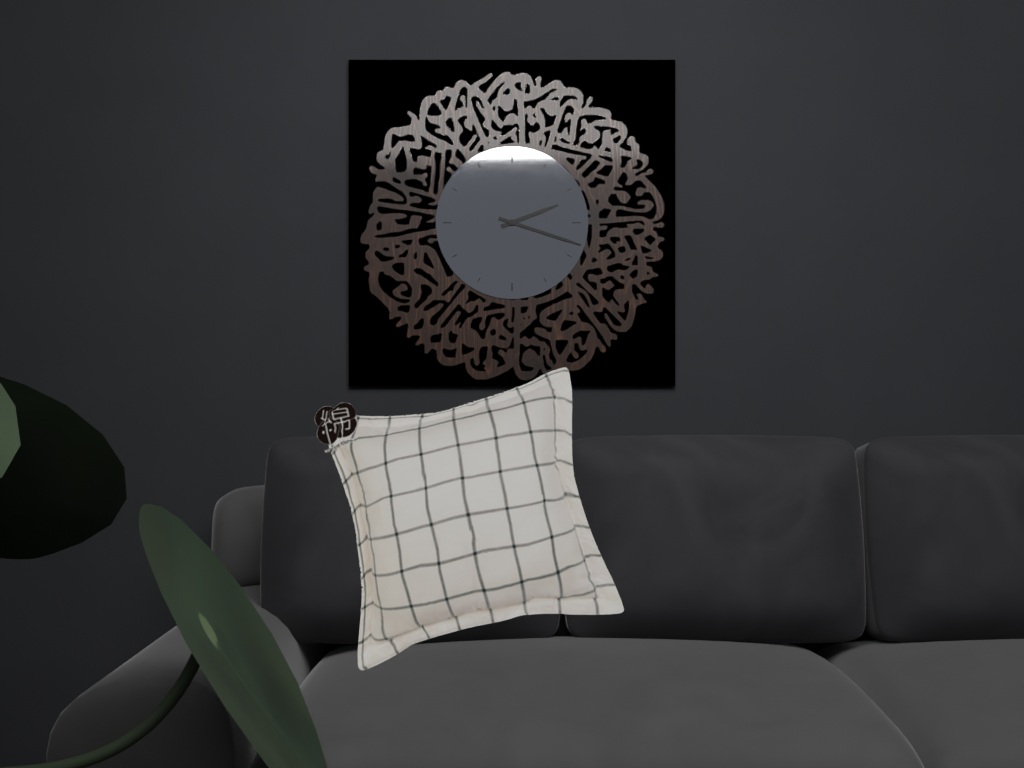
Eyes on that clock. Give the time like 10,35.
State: 2,18
